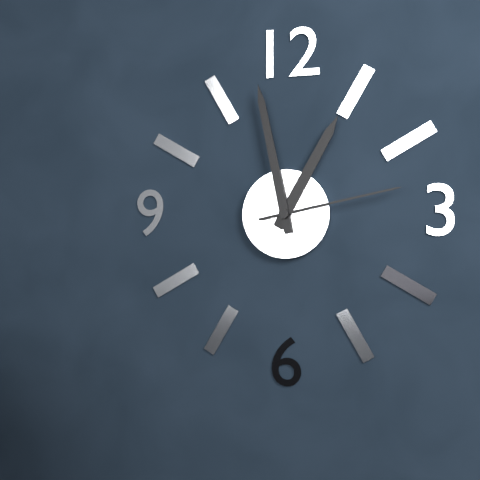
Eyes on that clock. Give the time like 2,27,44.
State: 12,58,13
